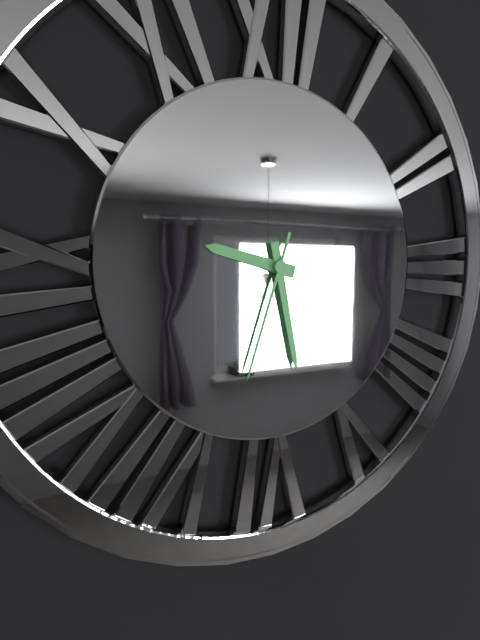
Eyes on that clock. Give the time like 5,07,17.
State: 9,28,33
